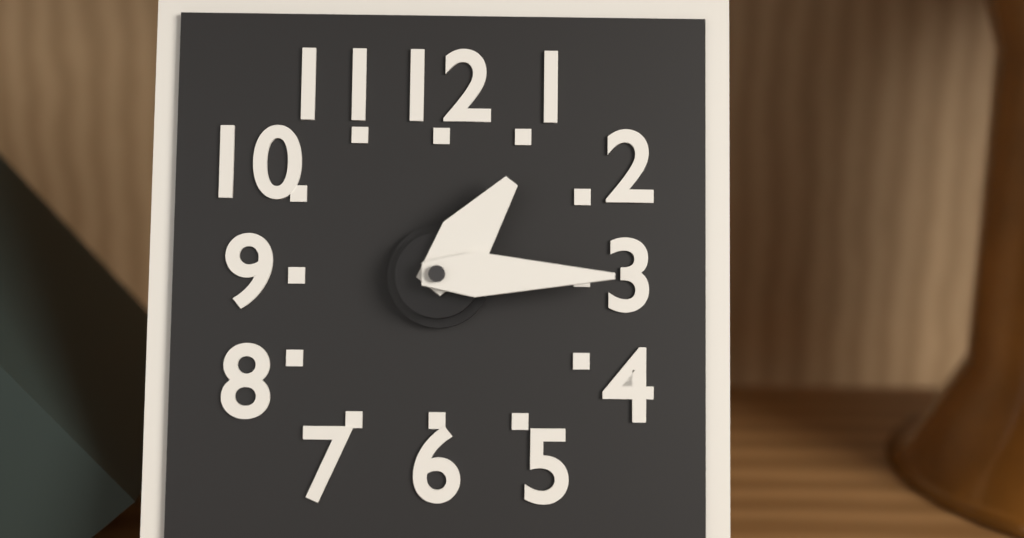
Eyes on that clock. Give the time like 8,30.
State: 1,15
